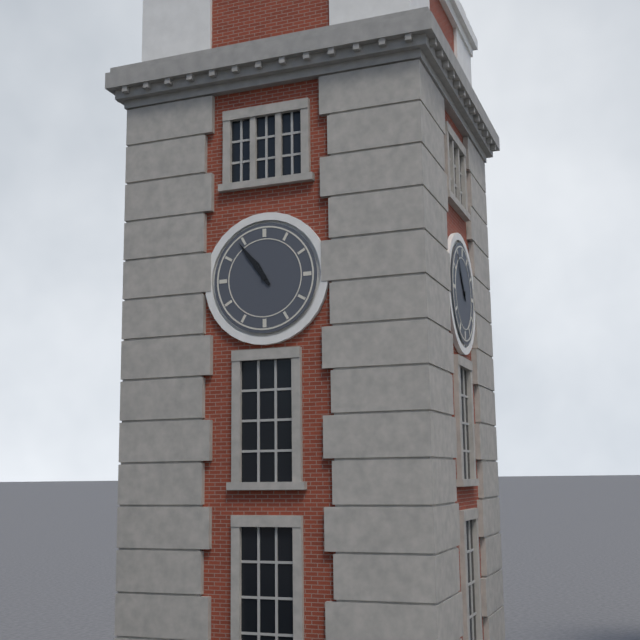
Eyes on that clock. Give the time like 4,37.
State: 10,54
